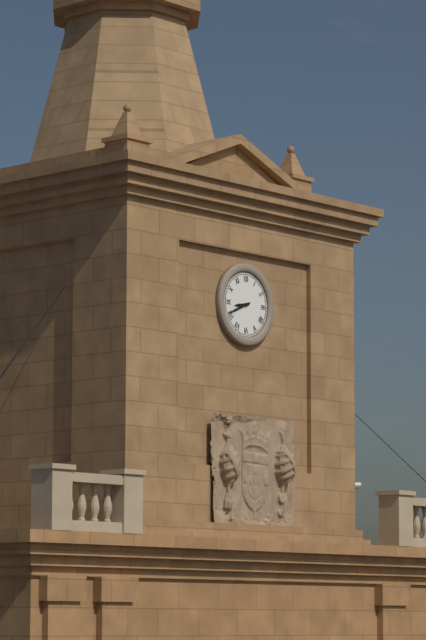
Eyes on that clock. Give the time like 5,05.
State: 8,41
